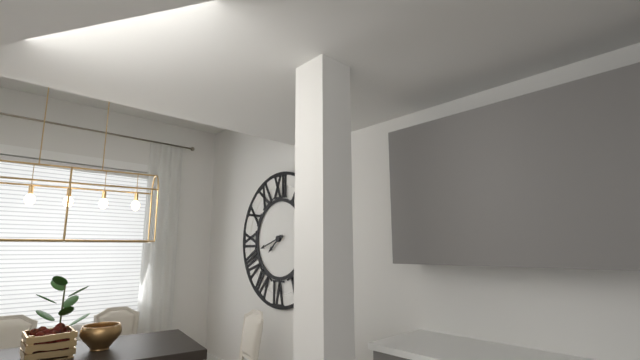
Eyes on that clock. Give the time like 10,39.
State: 7,42
